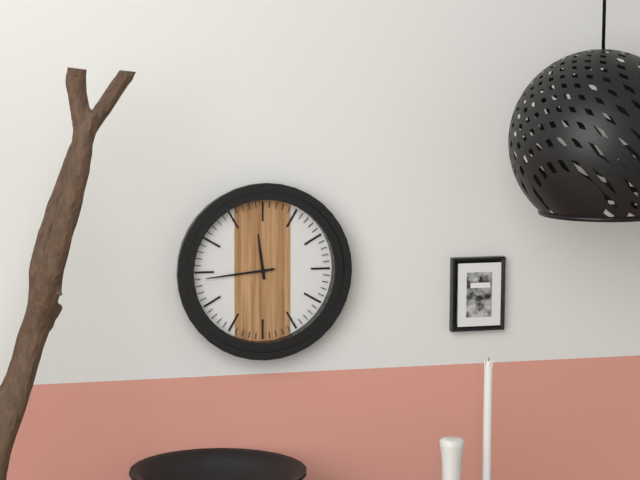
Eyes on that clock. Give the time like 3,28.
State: 11,44
